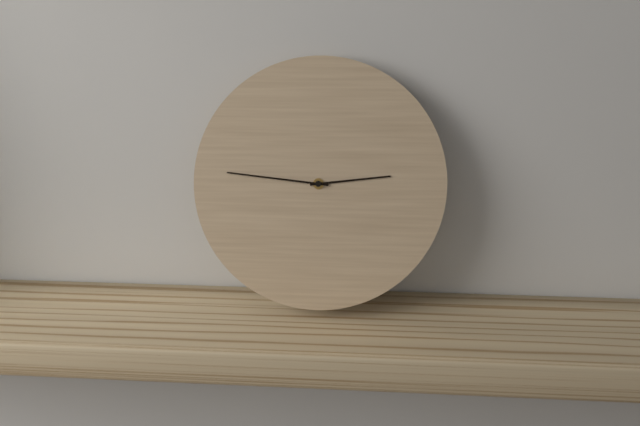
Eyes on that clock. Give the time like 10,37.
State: 2,46
